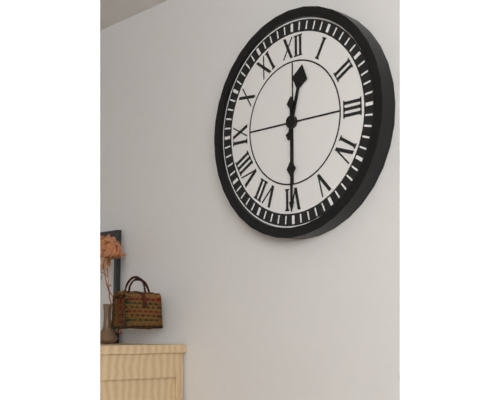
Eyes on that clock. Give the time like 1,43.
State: 12,30
